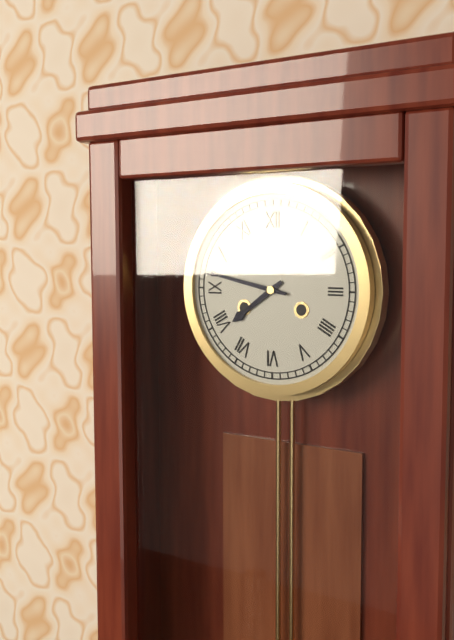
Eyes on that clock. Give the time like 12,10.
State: 7,47
